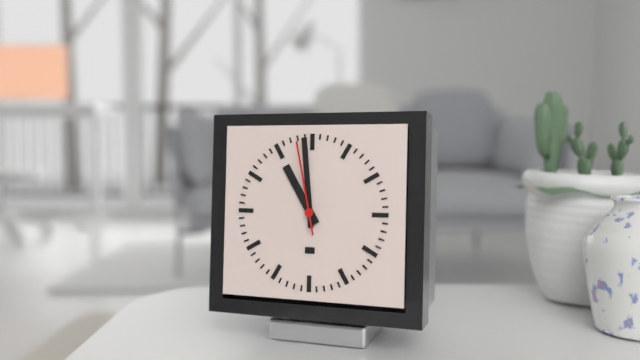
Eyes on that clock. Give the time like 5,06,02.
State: 10,59,58
